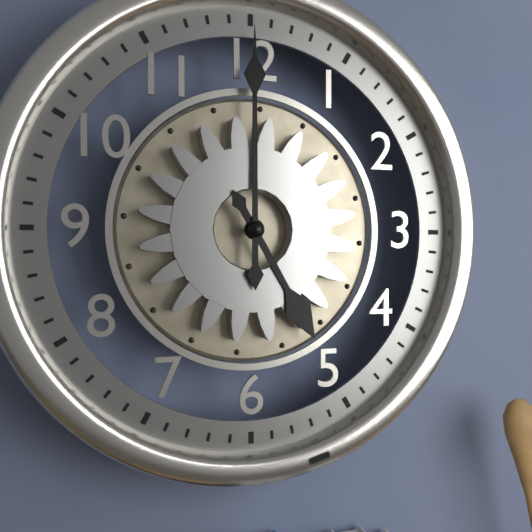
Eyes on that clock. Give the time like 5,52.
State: 5,00
